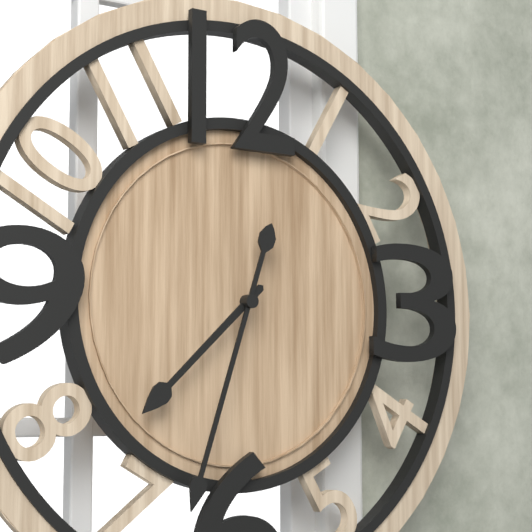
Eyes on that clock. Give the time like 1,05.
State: 7,33
